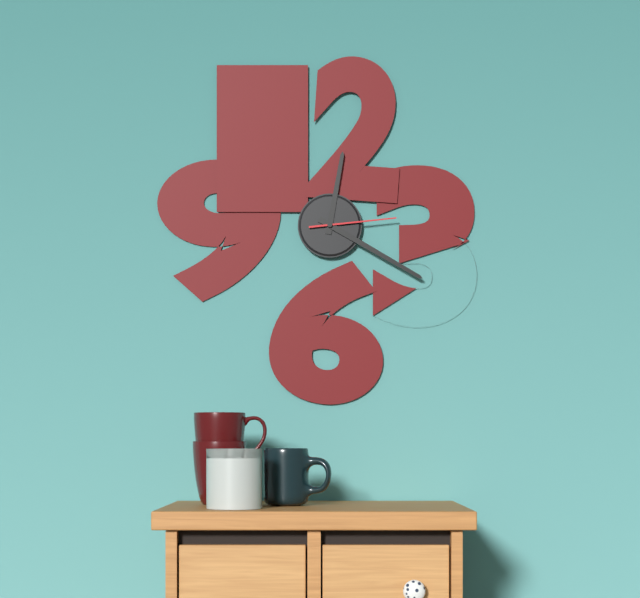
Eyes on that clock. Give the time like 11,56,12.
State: 12,20,14
